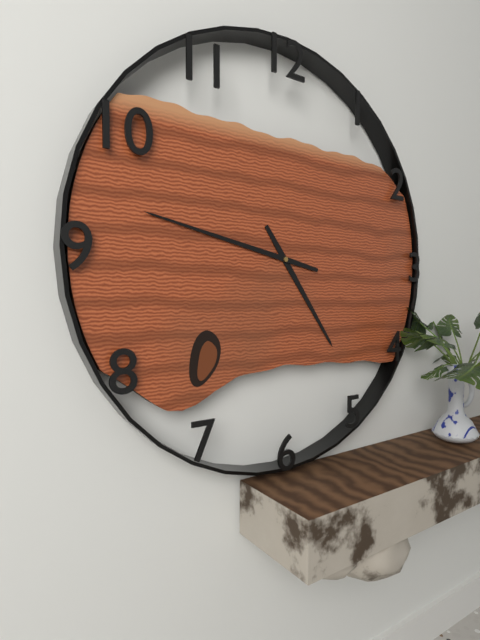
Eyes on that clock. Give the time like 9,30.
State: 4,47
